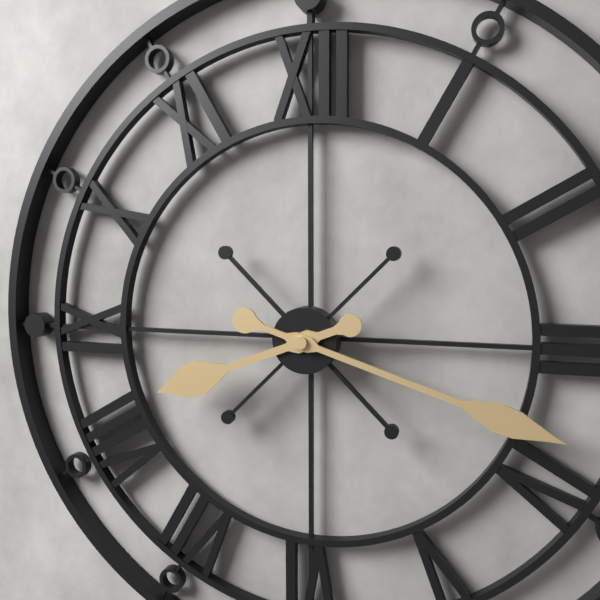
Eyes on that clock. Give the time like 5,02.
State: 8,18
